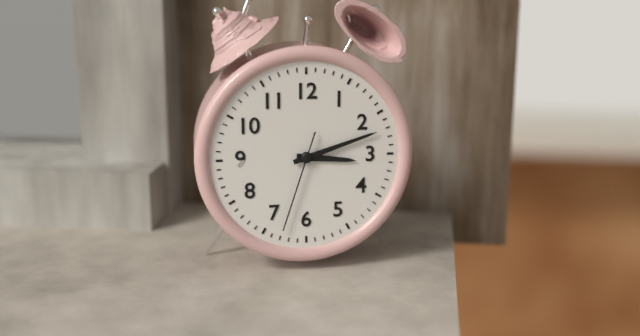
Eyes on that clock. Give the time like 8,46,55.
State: 3,12,33
